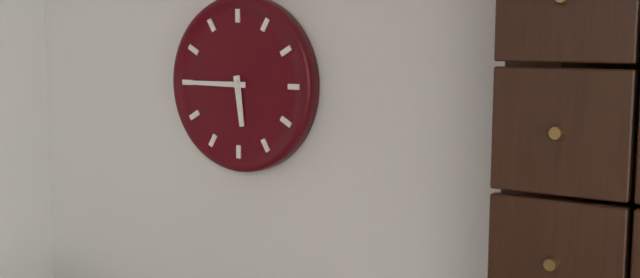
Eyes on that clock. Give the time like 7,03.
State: 5,45
